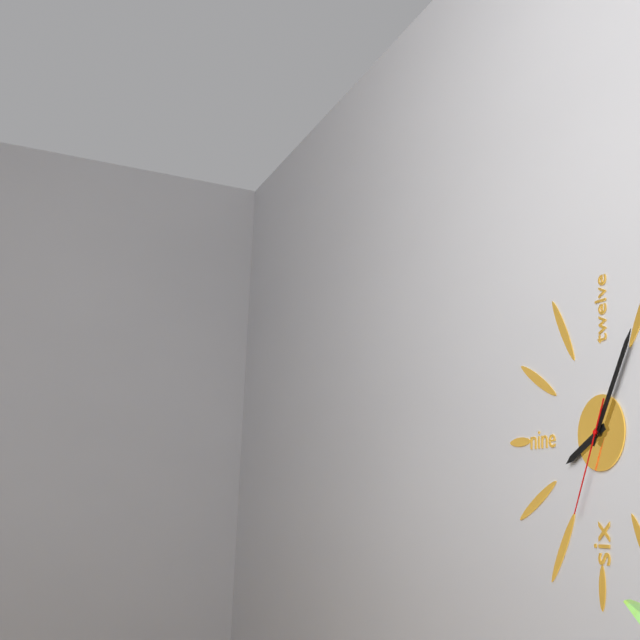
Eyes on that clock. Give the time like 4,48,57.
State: 8,05,34
